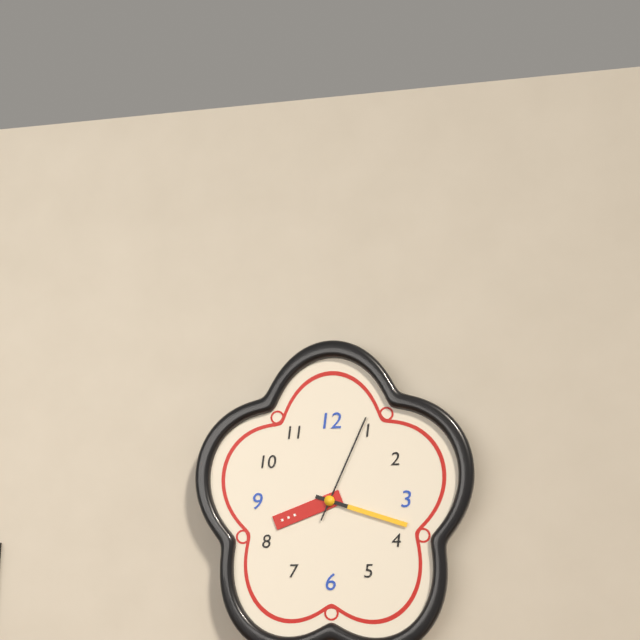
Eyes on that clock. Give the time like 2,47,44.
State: 8,18,04
